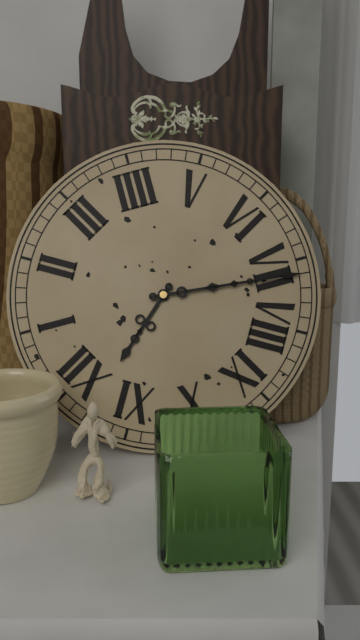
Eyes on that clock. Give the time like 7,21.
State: 11,36
